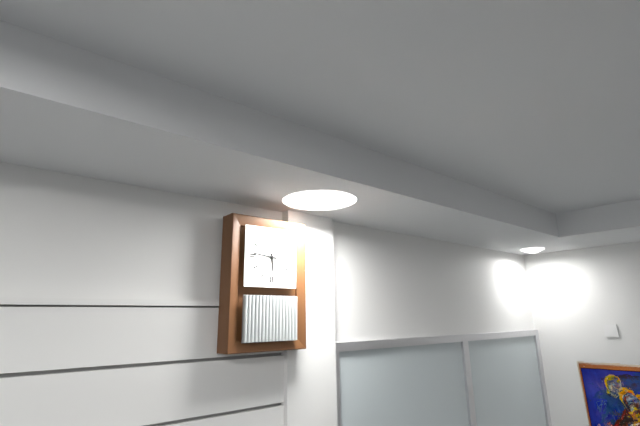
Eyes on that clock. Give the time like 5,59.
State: 5,46
